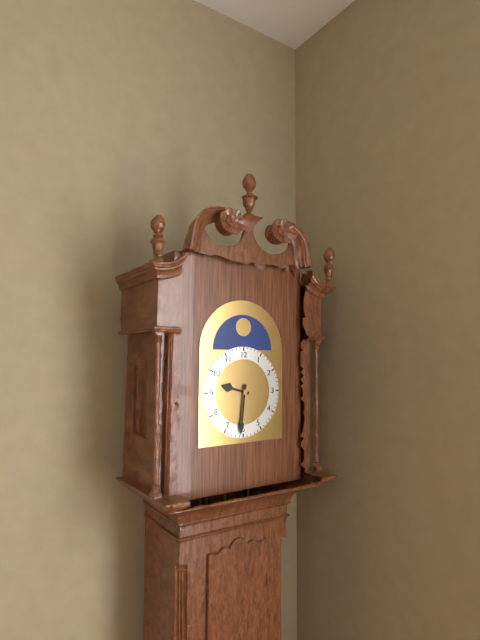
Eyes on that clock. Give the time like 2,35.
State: 9,31
